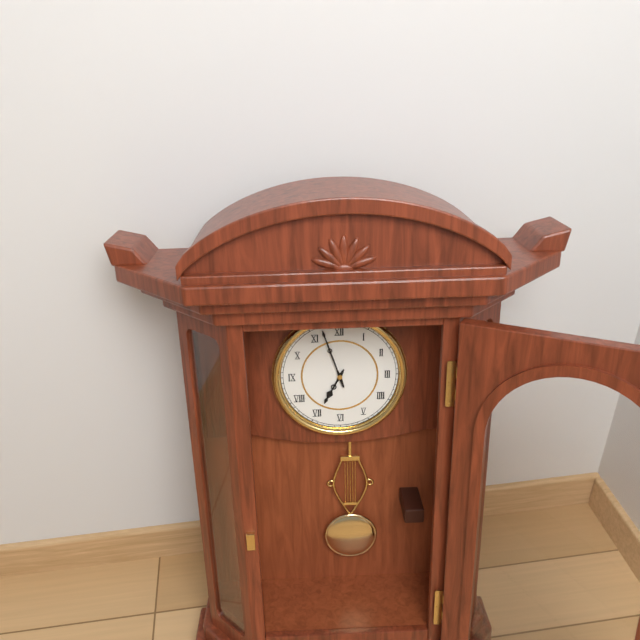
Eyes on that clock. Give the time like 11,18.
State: 6,57
